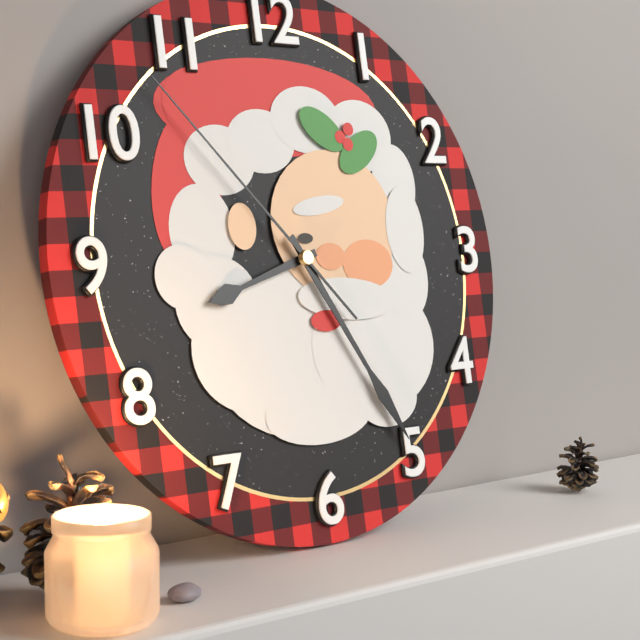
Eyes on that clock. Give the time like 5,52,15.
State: 8,25,53
